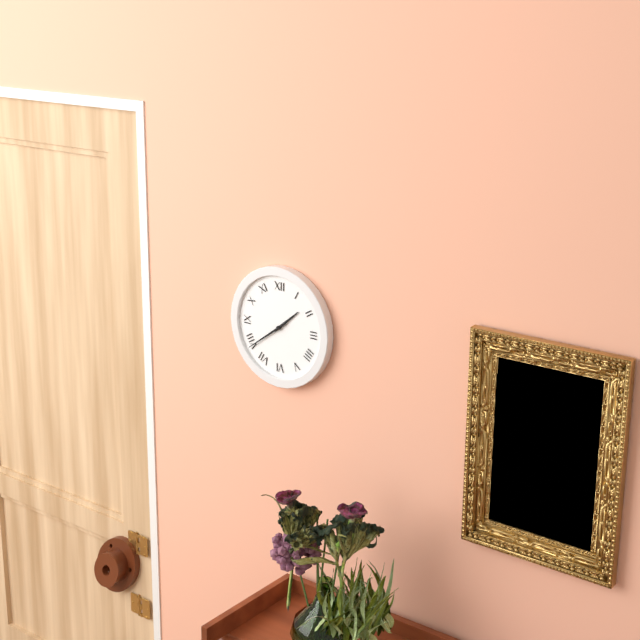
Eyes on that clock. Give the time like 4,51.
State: 1,39
